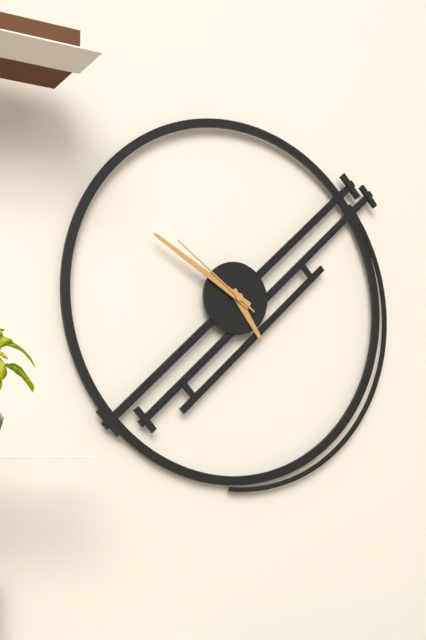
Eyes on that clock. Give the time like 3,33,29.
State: 4,50,51
